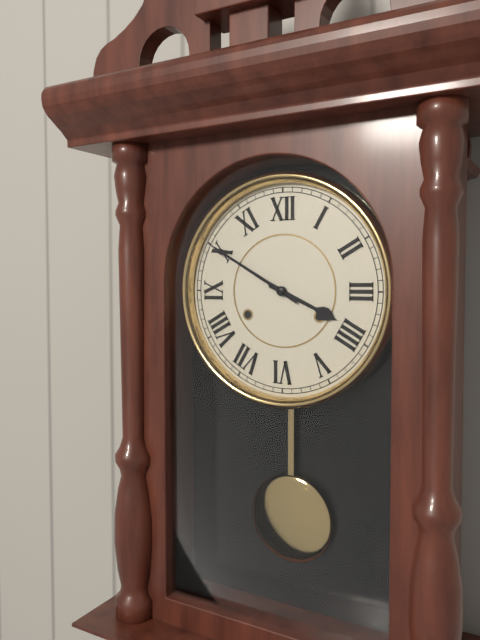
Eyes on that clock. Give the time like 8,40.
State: 3,50
